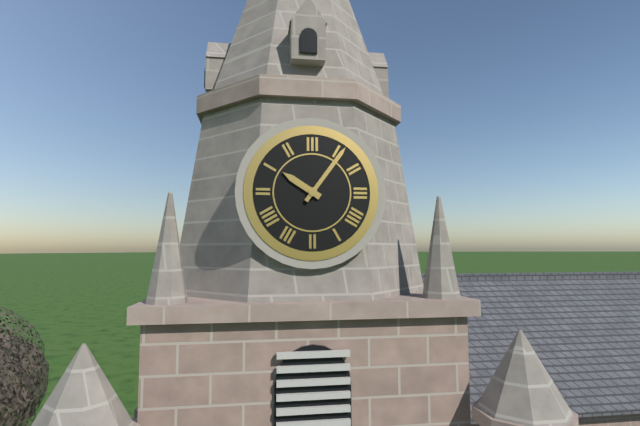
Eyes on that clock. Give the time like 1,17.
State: 10,06
